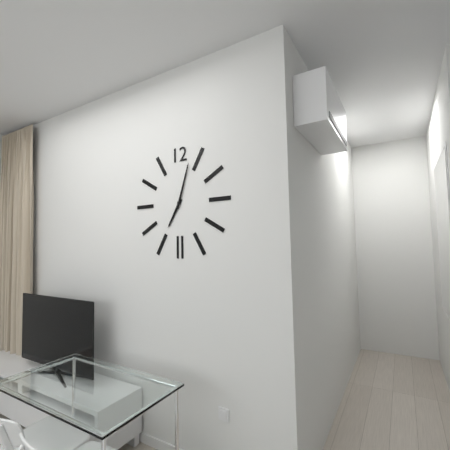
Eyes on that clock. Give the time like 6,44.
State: 7,03
